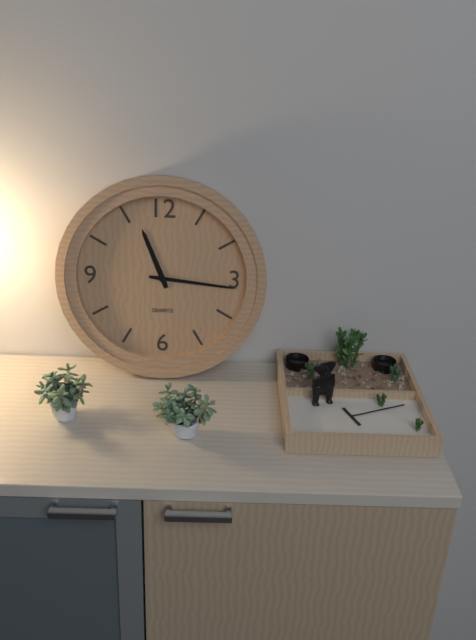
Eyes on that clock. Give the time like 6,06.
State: 11,16
